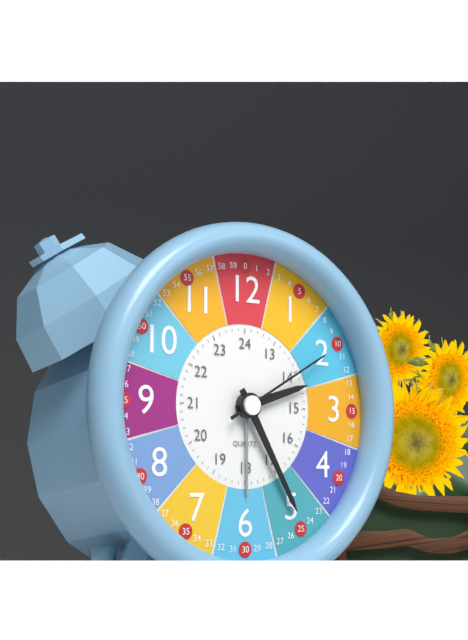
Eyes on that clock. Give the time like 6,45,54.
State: 2,25,10
